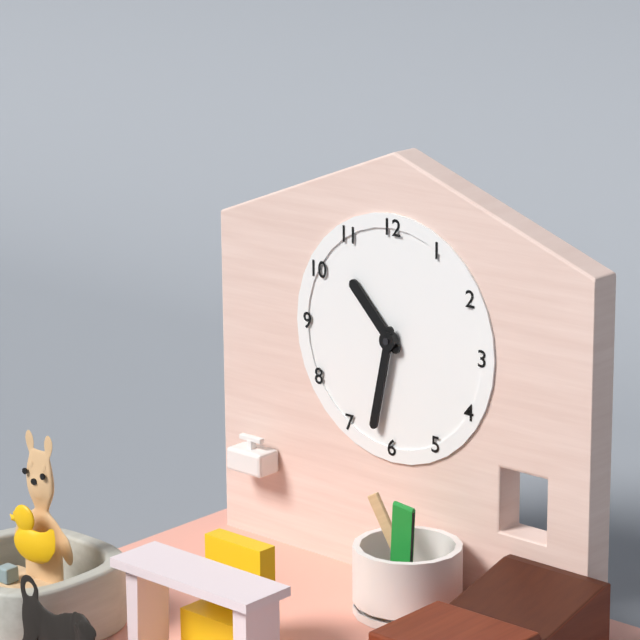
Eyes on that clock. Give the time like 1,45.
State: 10,32
